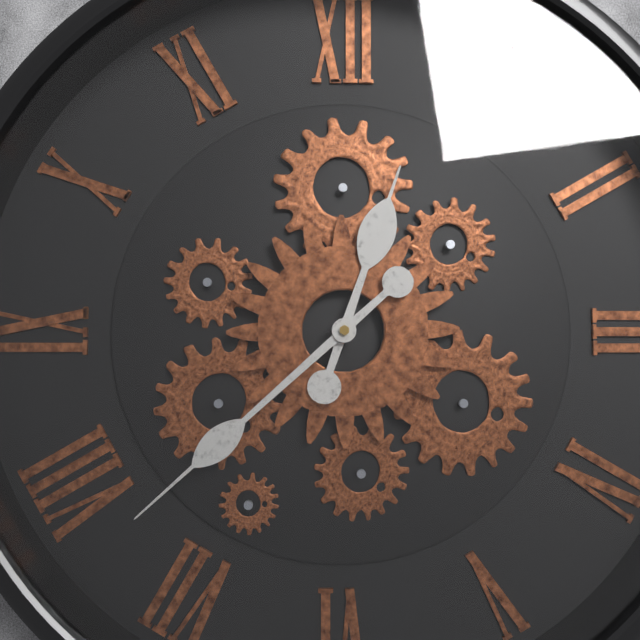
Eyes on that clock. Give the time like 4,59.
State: 12,38
